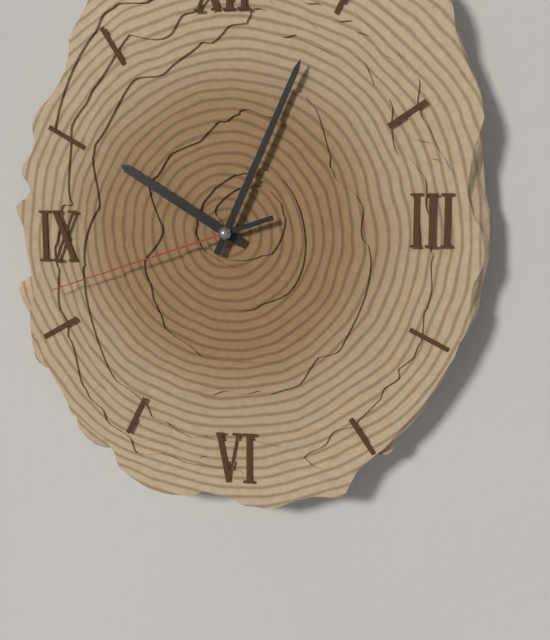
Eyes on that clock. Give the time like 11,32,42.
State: 10,04,42
